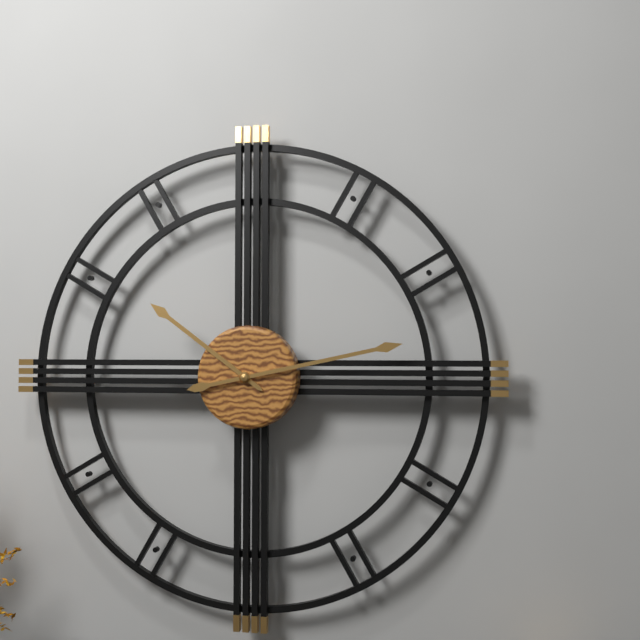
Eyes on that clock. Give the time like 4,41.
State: 10,13
